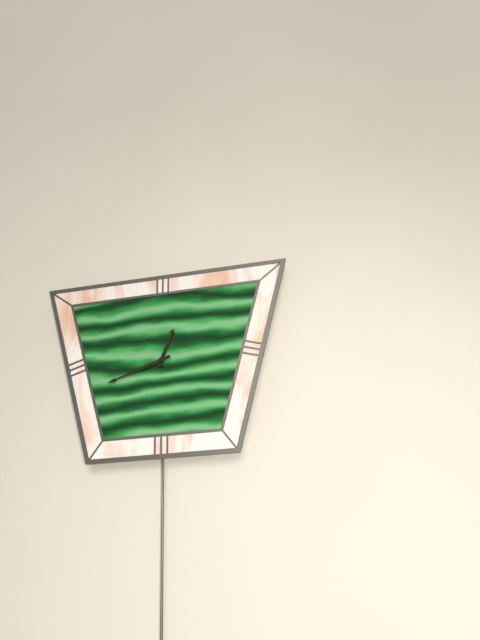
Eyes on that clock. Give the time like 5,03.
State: 12,42
